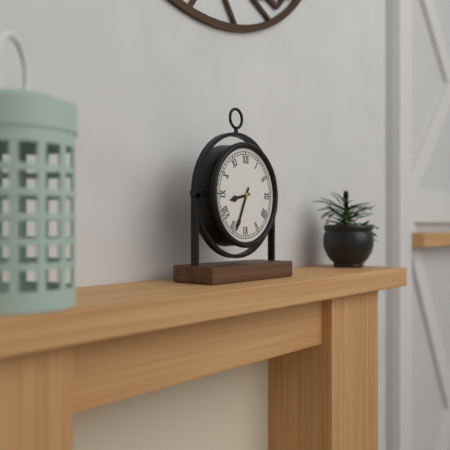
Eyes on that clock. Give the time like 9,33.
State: 8,34
